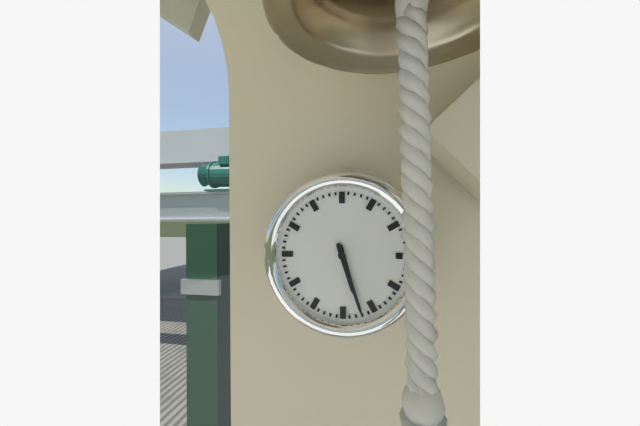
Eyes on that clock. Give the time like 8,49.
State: 5,27
